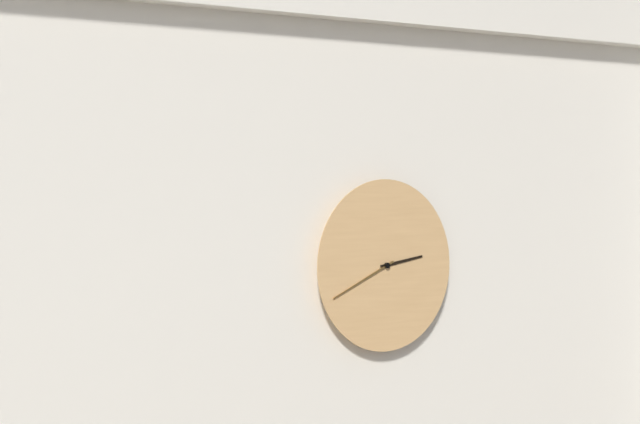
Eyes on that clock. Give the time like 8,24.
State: 2,41
